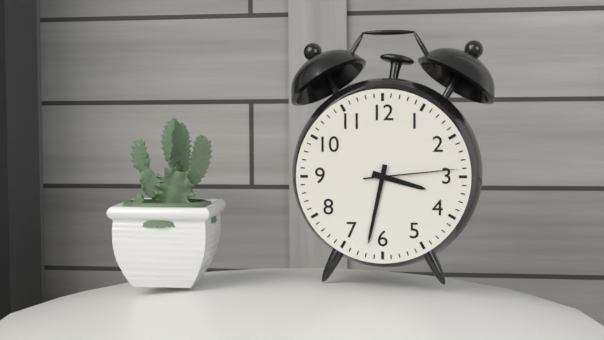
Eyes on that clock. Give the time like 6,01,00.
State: 3,32,14
